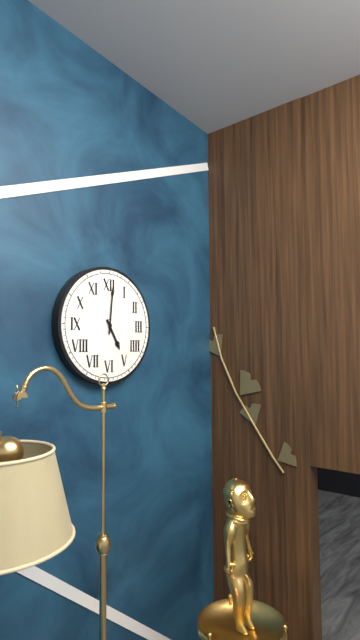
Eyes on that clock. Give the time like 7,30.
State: 5,01
